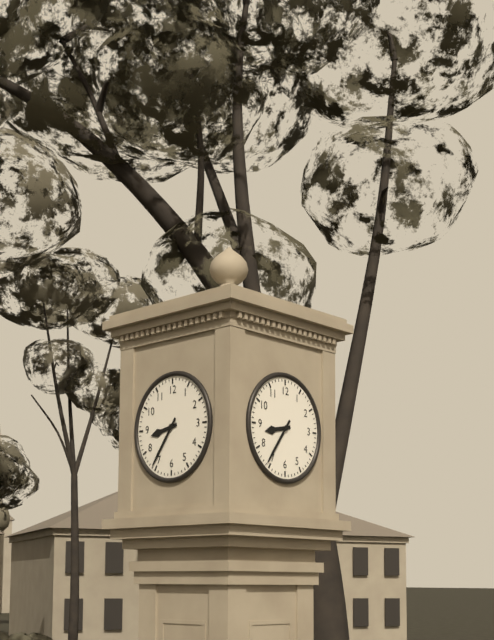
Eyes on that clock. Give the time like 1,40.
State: 8,36
